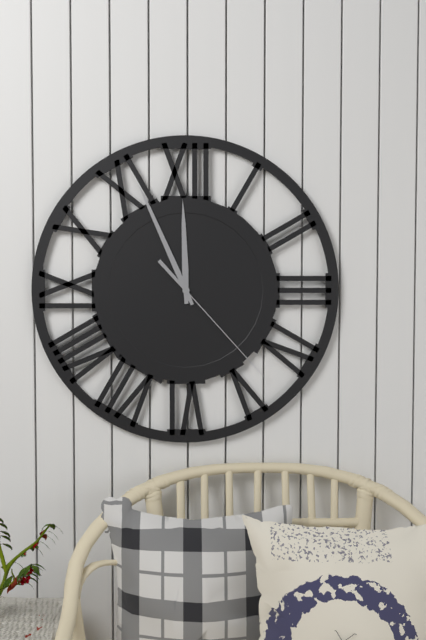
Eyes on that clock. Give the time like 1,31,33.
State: 11,56,23
